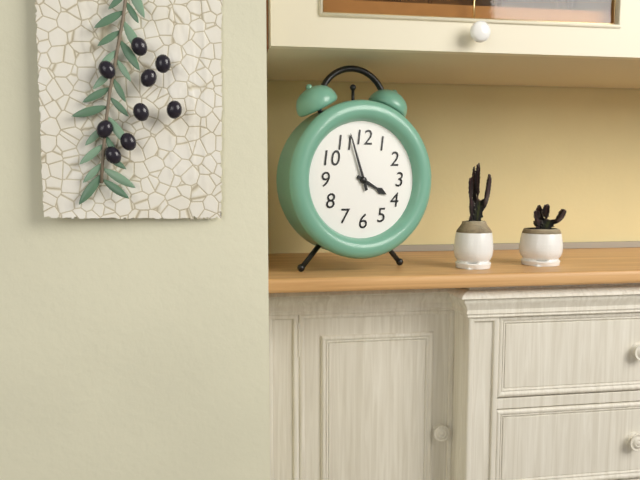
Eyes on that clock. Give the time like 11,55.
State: 3,57
